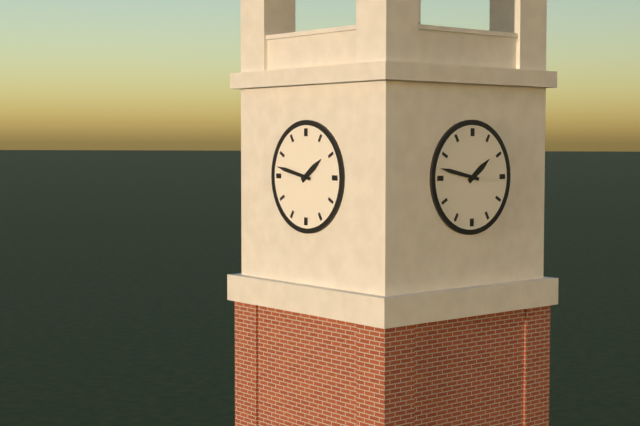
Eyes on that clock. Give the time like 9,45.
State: 1,47
